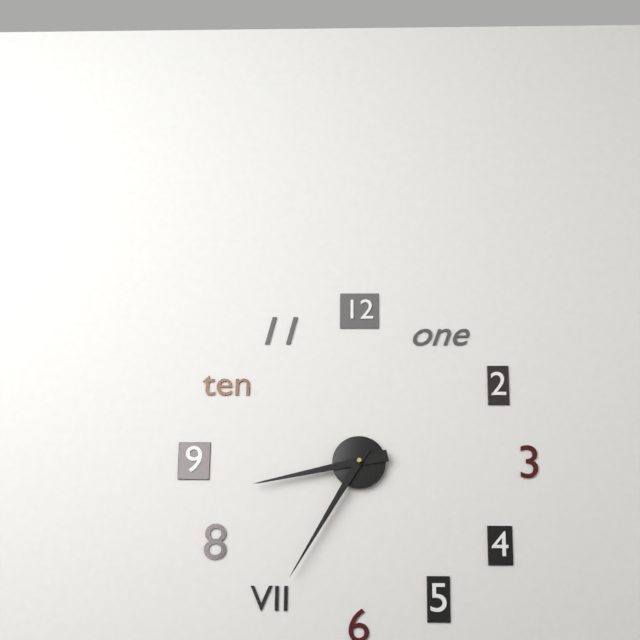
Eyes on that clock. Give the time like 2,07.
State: 8,35
